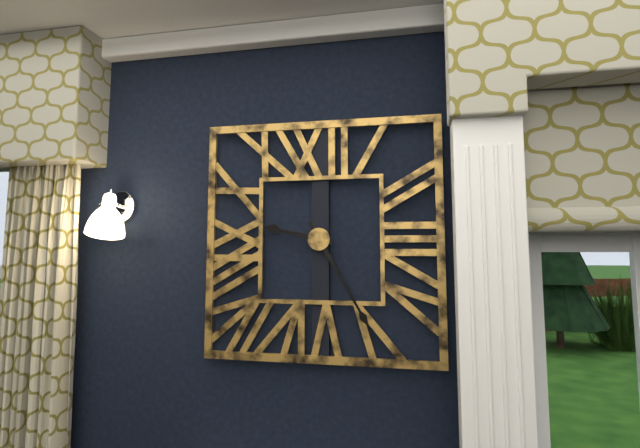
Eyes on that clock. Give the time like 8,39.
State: 9,25
